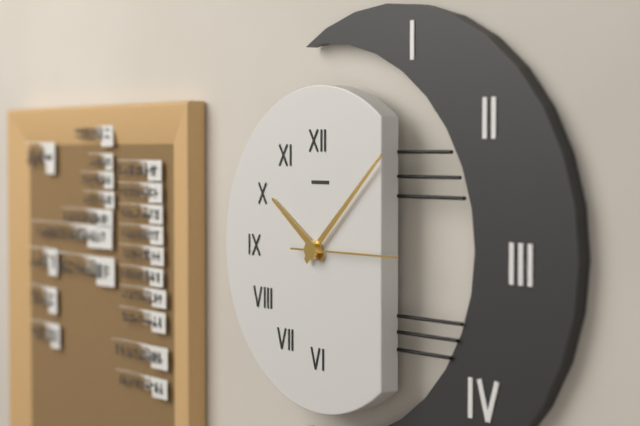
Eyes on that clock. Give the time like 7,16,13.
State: 10,08,15
